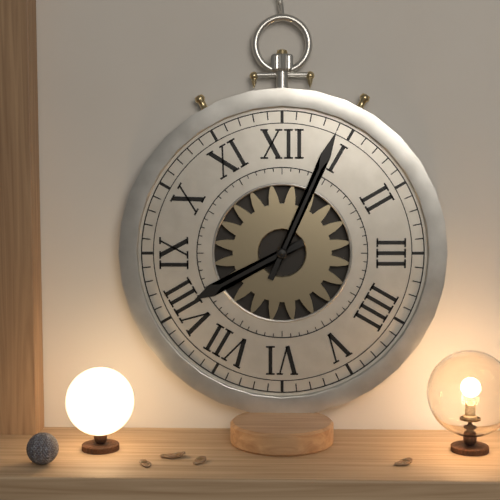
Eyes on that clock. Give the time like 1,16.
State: 8,04
